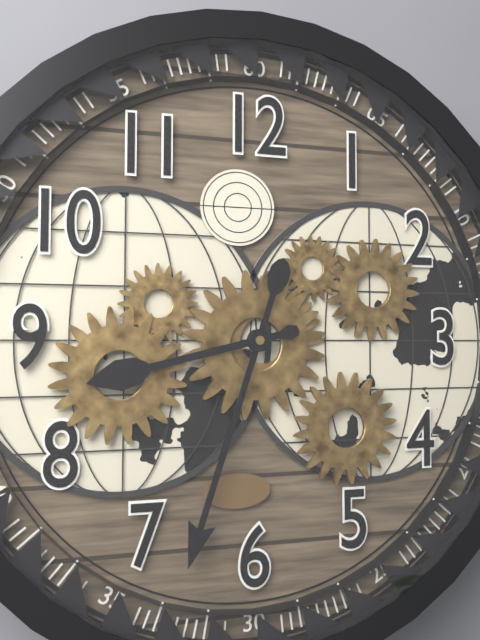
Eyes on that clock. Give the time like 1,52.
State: 8,33
